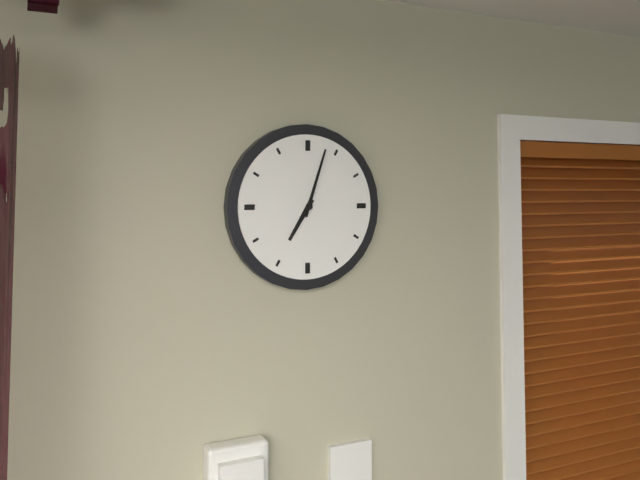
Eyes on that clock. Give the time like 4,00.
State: 7,03
